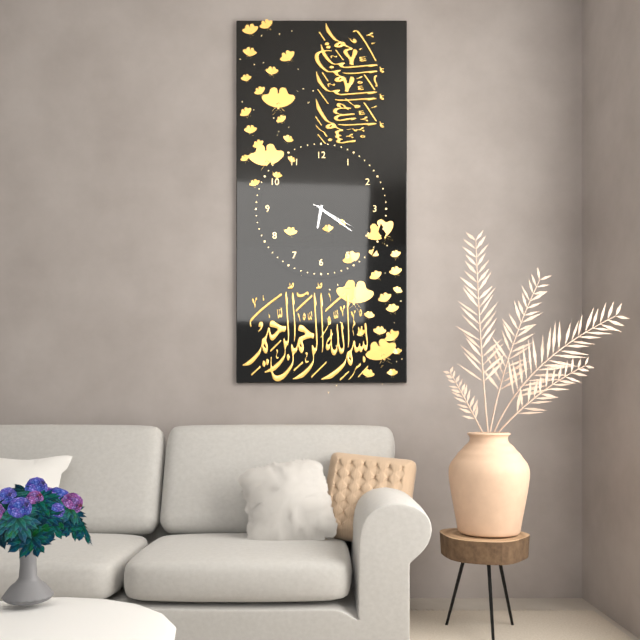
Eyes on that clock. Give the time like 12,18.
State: 6,21
